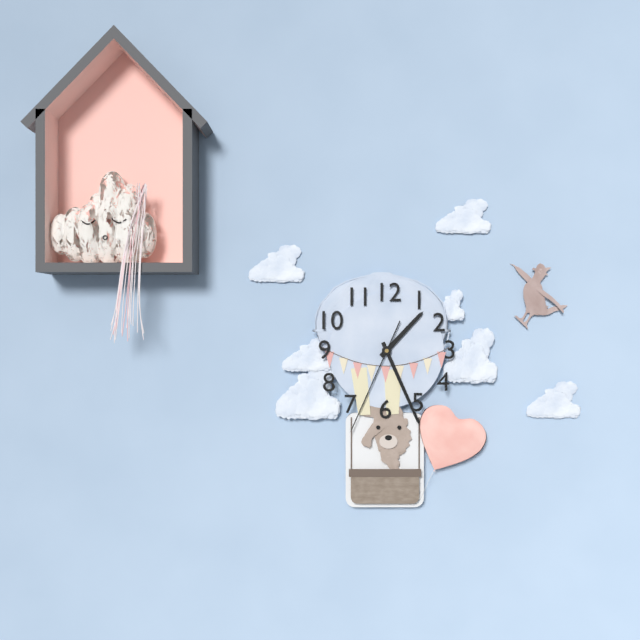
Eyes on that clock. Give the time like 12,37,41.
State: 1,26,34
